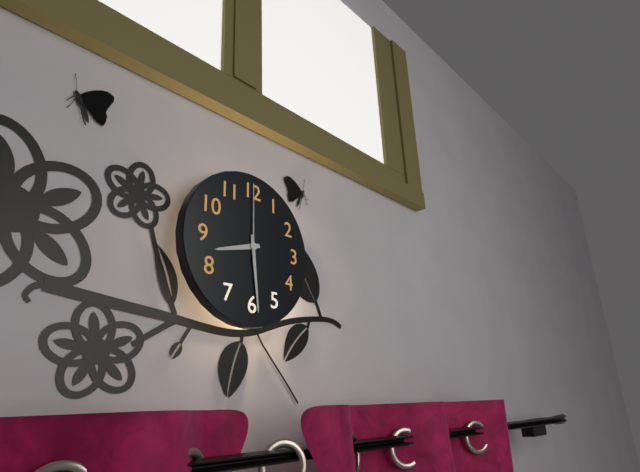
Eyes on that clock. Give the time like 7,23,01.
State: 8,29,00
